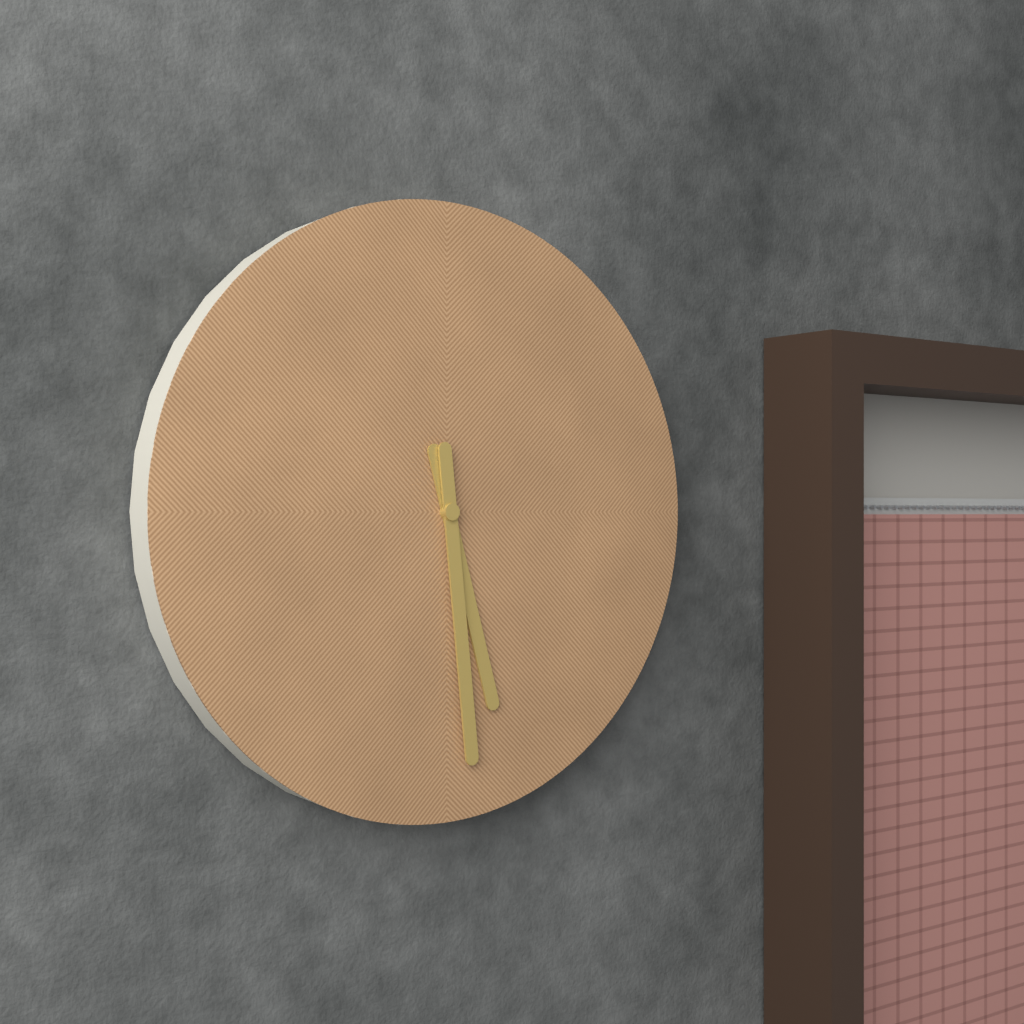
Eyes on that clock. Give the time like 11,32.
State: 5,29
